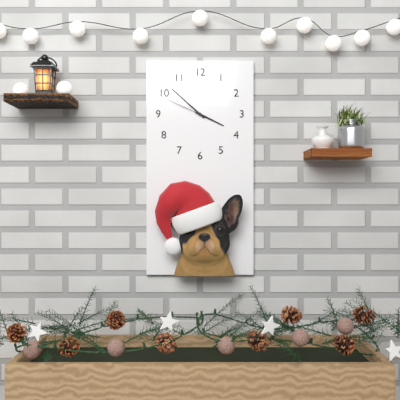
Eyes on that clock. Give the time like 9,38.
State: 3,52
